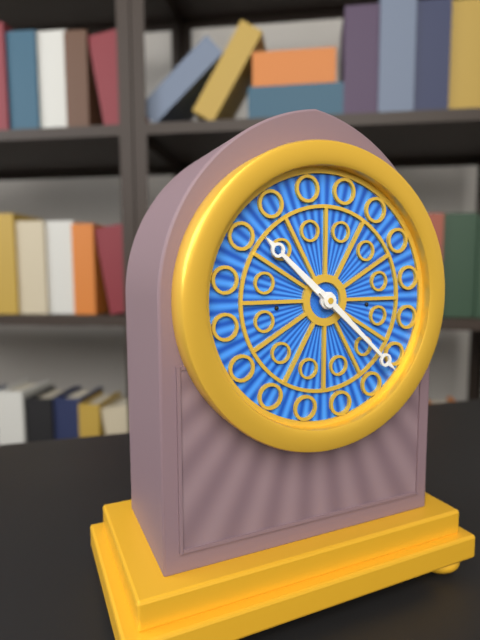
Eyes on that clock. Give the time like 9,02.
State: 10,22
